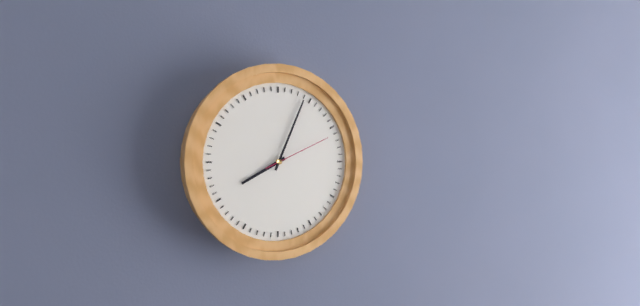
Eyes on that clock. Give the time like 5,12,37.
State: 8,04,11
